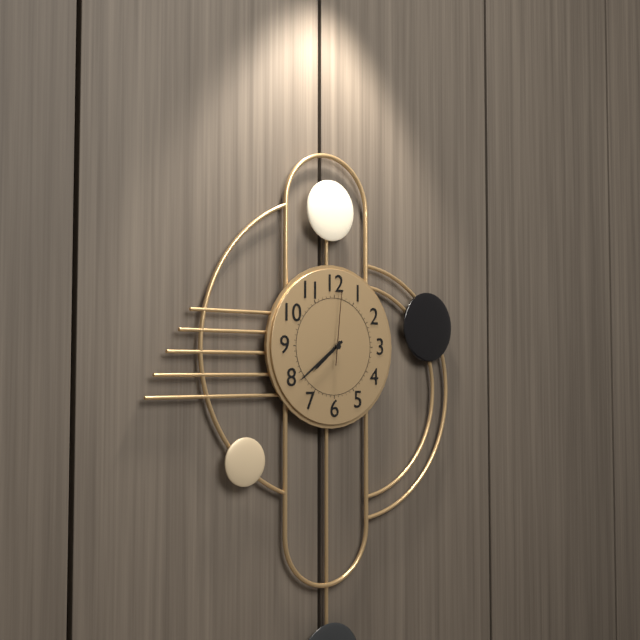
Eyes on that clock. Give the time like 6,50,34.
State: 7,39,01
